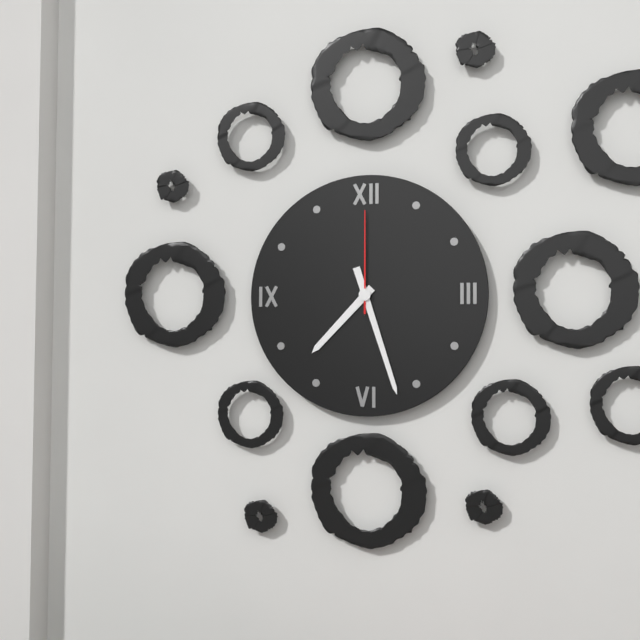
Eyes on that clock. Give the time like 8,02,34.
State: 7,27,00
